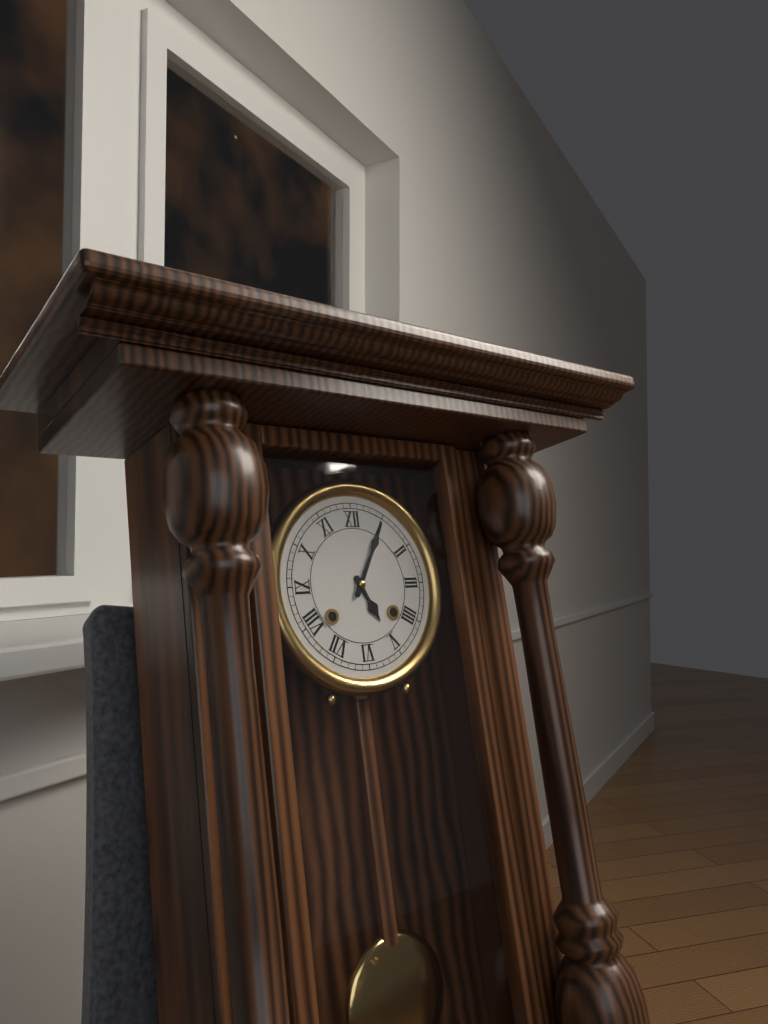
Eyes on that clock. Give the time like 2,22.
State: 5,05
